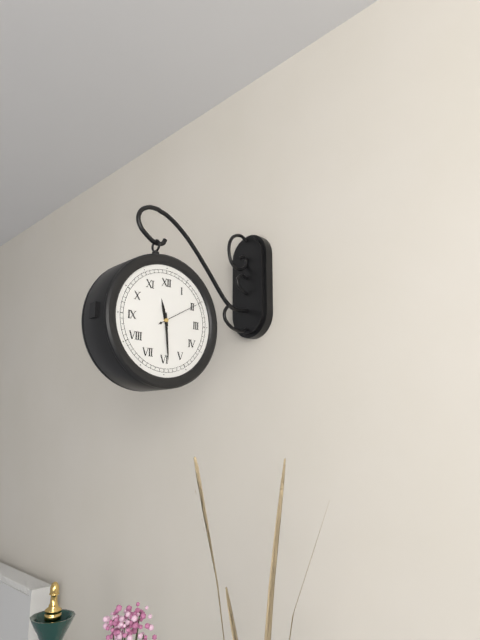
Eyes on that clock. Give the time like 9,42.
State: 11,29
